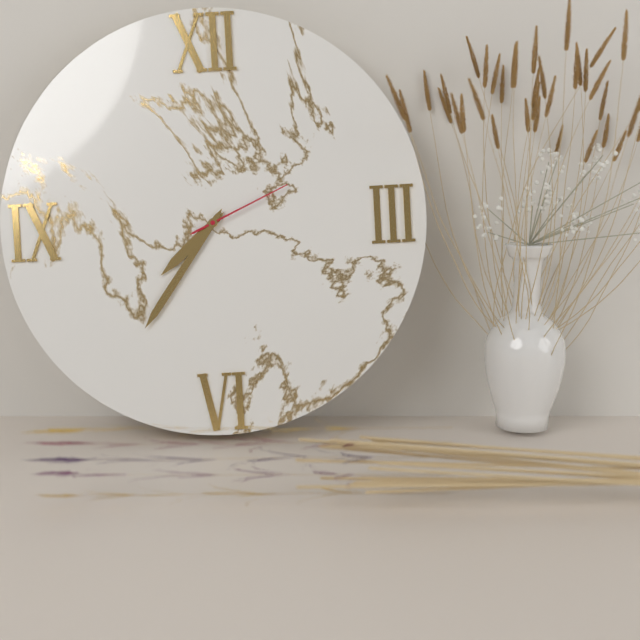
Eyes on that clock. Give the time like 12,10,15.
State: 7,36,11
